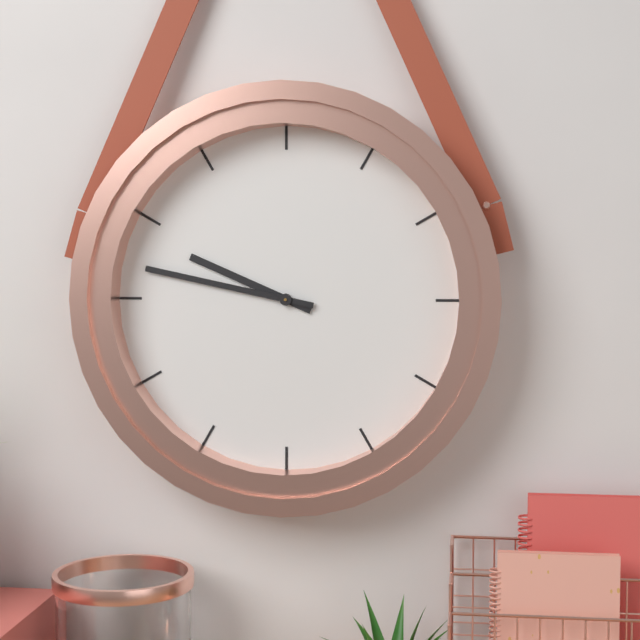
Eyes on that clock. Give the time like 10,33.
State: 9,47
